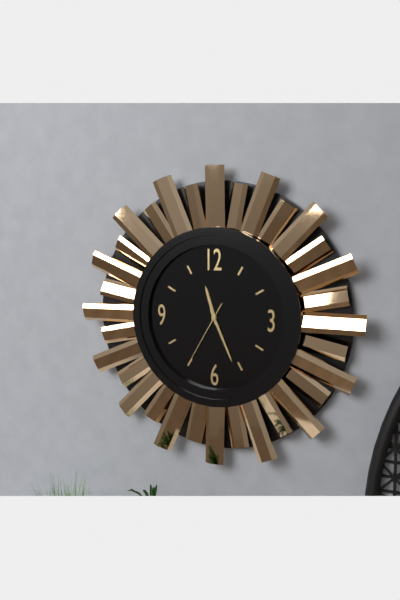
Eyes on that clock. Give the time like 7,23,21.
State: 11,26,35
